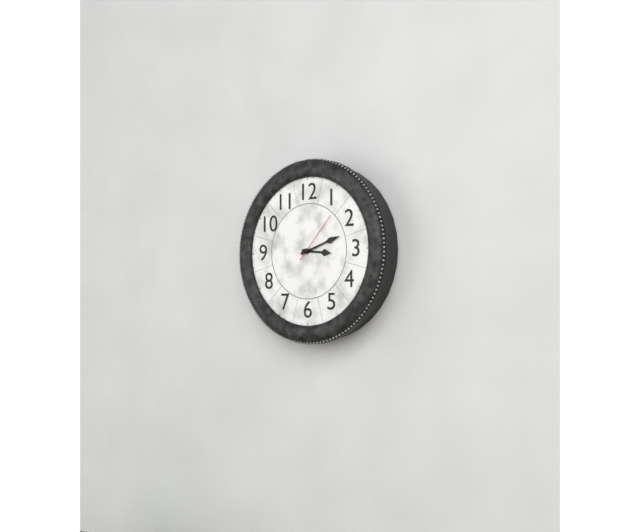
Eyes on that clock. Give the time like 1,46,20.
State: 3,12,07
